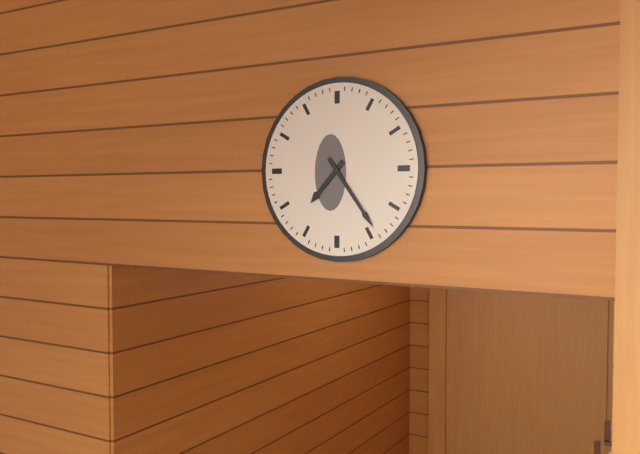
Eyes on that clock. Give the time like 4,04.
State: 7,24
